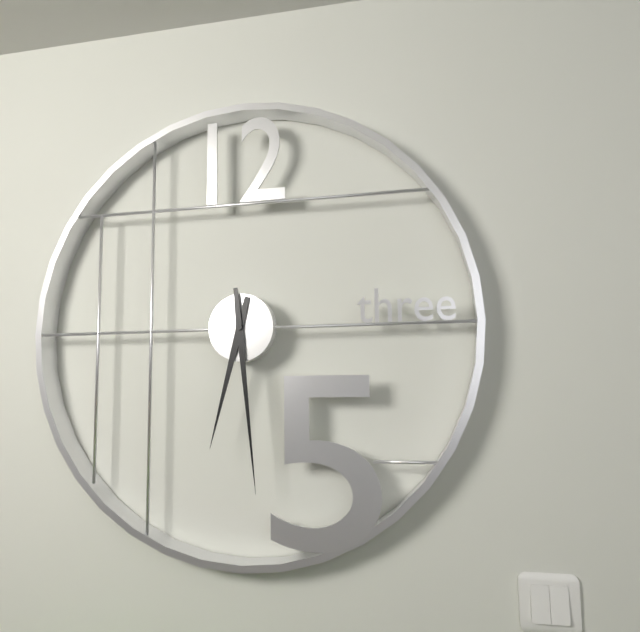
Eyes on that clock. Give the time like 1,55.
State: 6,29
